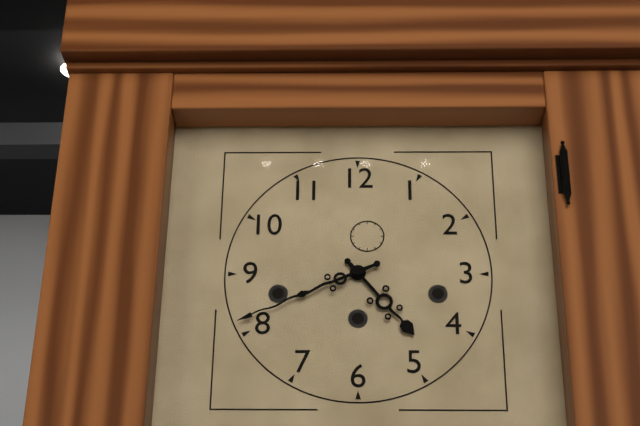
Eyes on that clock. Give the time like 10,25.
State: 4,41
